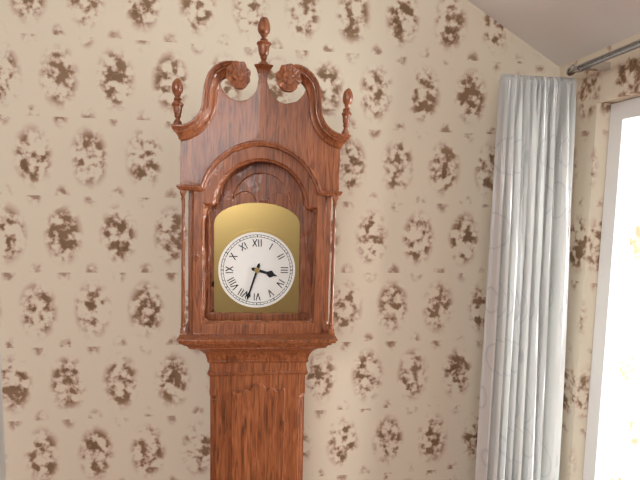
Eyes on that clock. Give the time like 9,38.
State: 3,33
